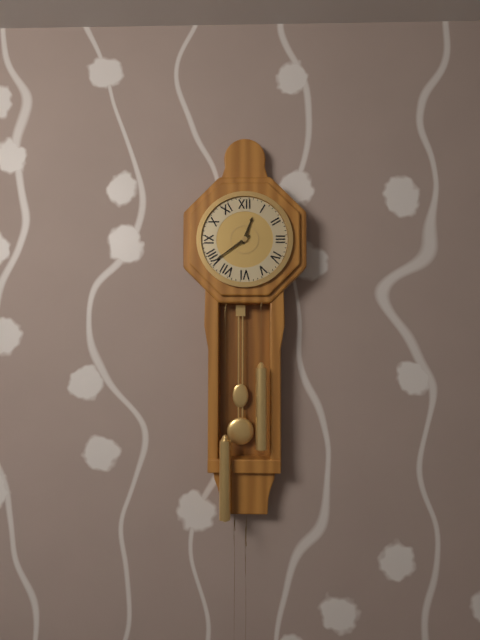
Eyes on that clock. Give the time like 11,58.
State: 12,39
